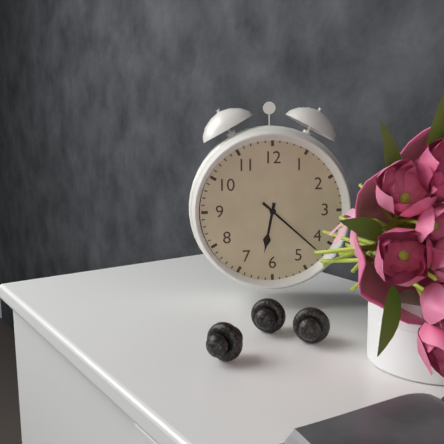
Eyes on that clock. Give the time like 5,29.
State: 6,22
